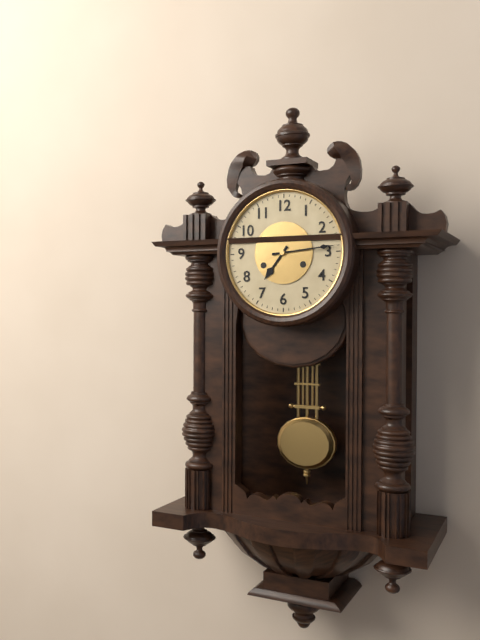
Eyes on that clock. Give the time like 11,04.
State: 7,14
